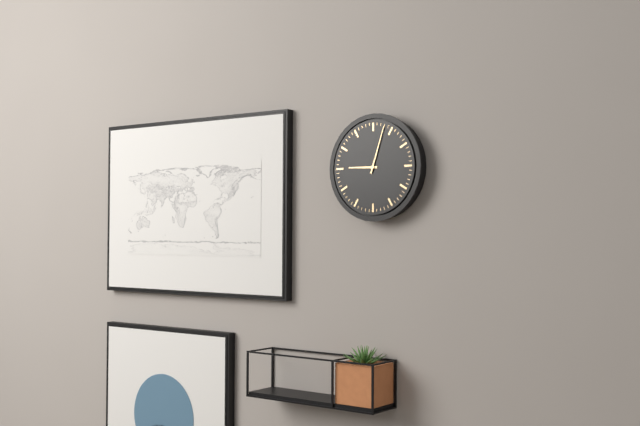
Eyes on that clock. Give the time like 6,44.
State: 9,03
